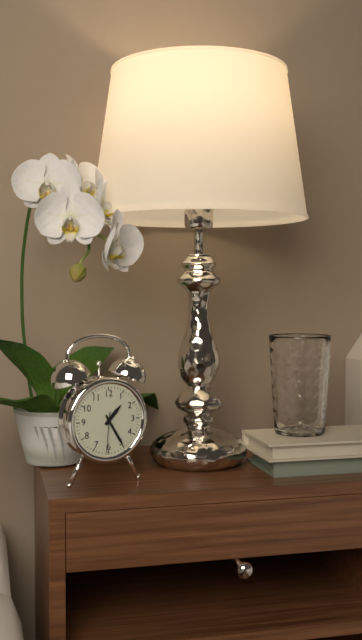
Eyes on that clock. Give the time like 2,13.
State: 1,25
